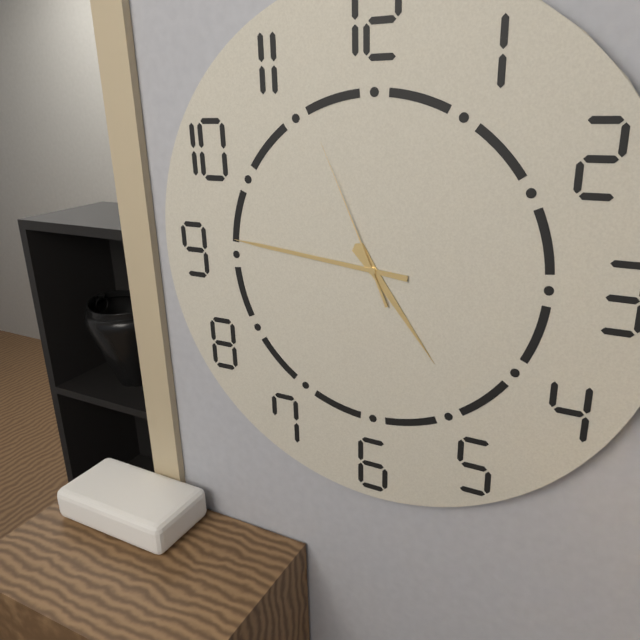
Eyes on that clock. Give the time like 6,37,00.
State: 4,46,56
